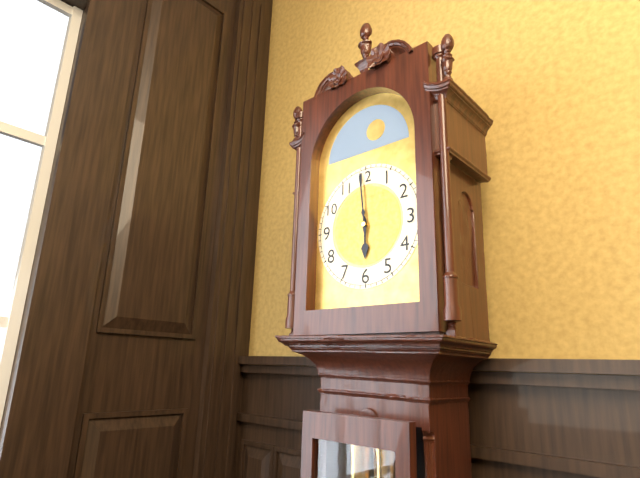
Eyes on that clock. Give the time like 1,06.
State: 5,59
